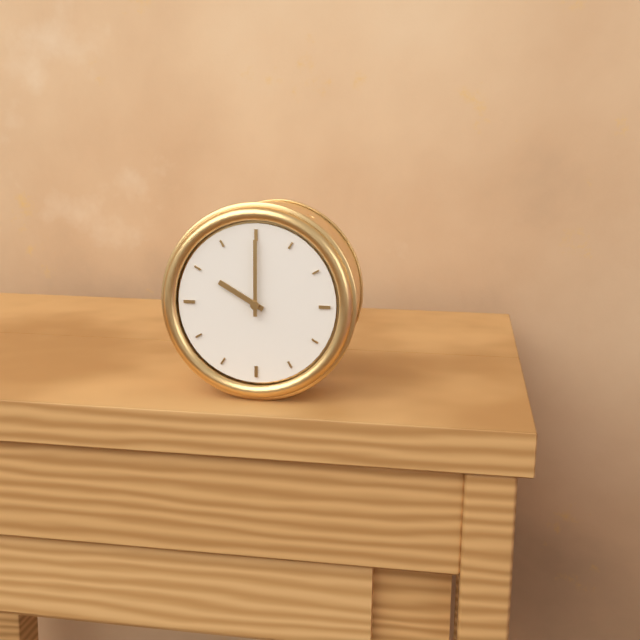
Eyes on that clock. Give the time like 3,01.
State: 10,00
